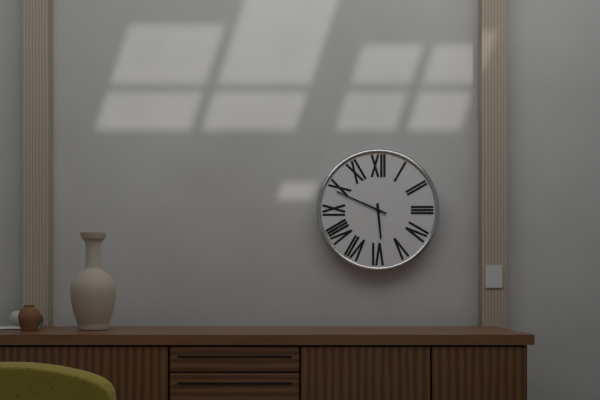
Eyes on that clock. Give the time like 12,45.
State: 5,49
